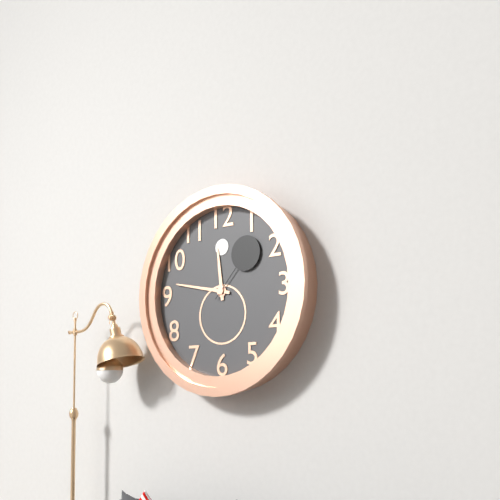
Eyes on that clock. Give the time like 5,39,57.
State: 11,47,07
